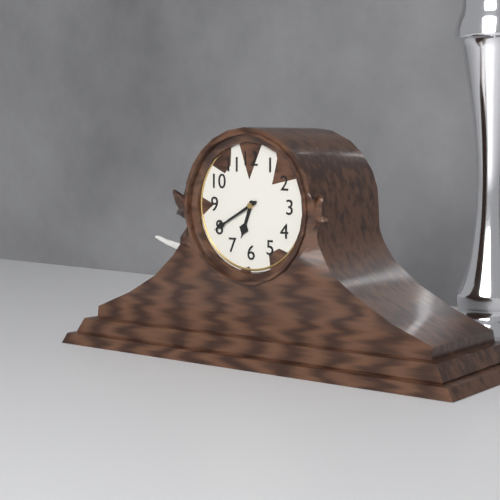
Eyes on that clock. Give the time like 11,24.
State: 6,40
